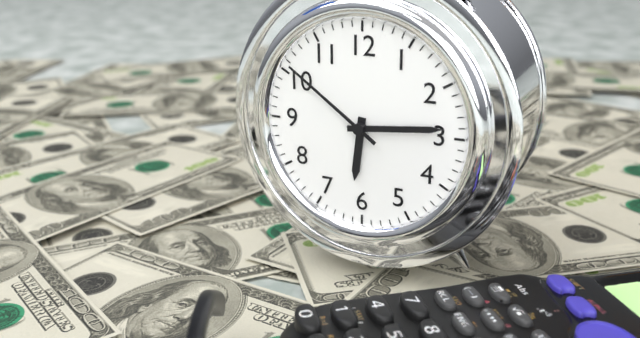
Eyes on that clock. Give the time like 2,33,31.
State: 6,14,51
